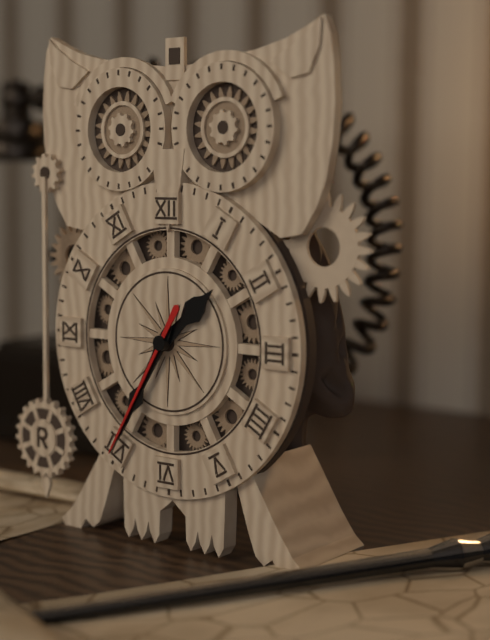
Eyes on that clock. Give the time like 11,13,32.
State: 1,35,35
